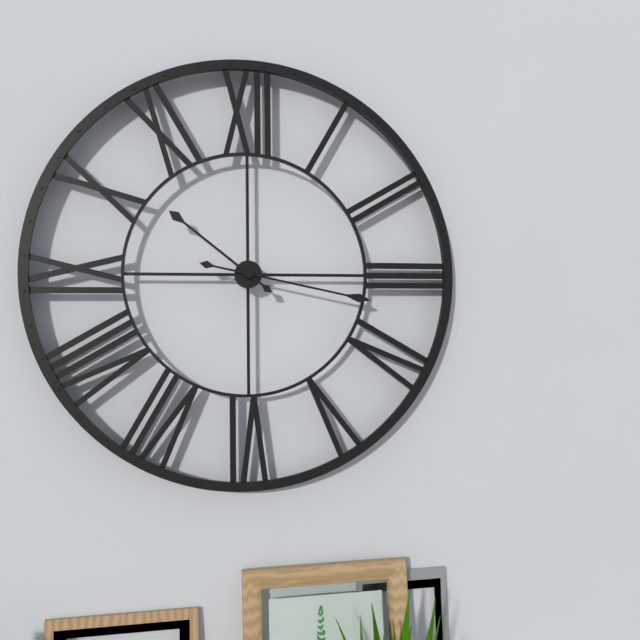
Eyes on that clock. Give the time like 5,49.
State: 10,17
